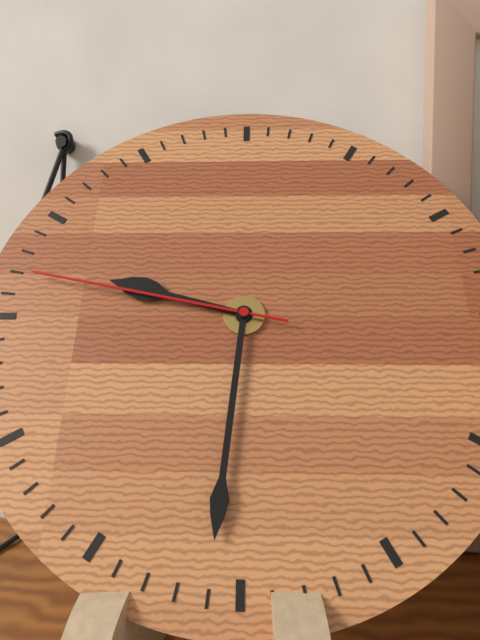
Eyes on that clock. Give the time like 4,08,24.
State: 9,31,47
